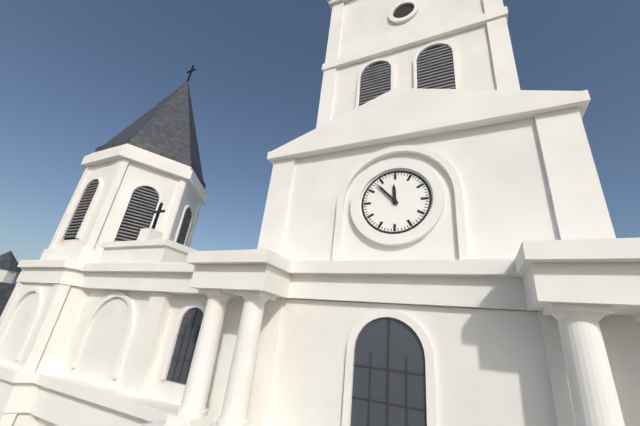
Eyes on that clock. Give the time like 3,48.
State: 11,53
